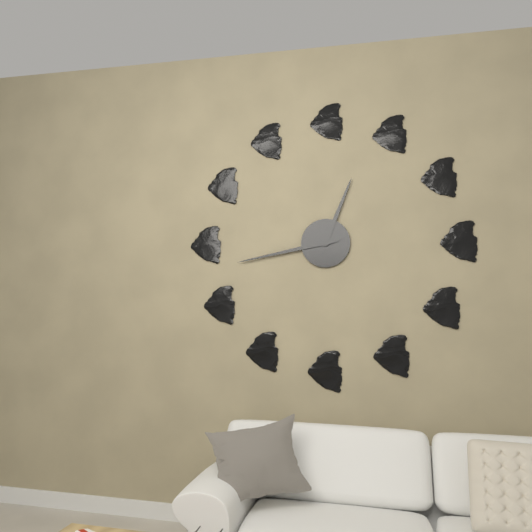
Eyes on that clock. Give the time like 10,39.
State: 12,43
